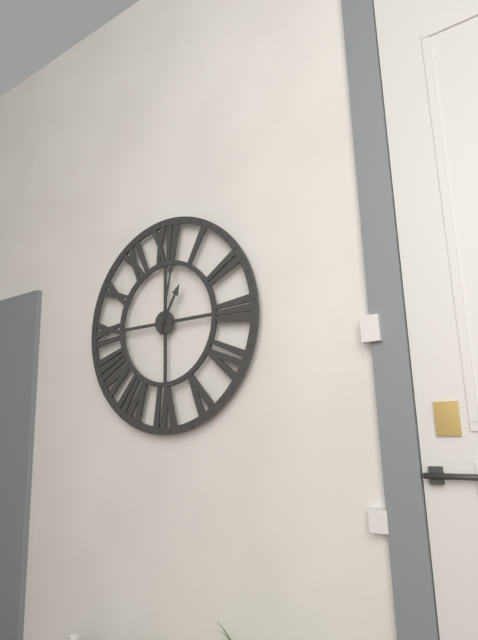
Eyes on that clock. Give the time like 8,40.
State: 1,02
